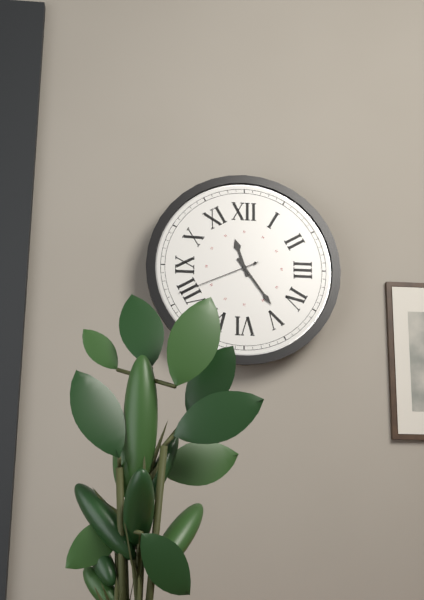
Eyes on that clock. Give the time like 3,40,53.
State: 11,24,41
